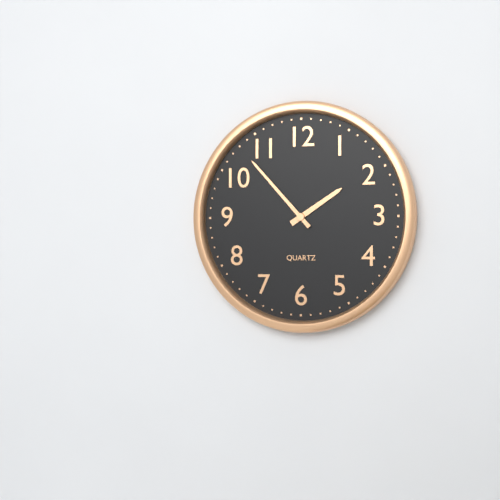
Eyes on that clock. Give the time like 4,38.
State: 1,53
